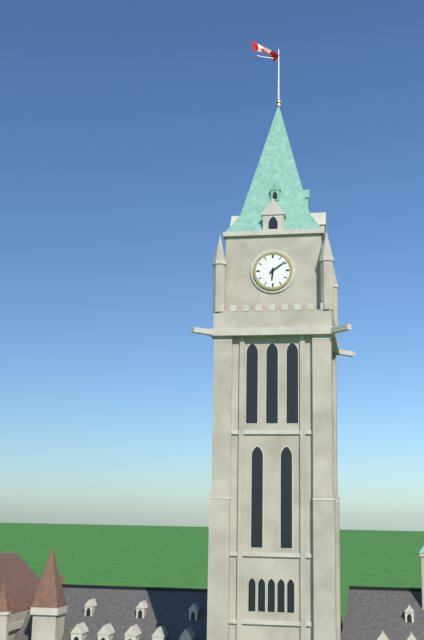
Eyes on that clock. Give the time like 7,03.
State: 6,09
